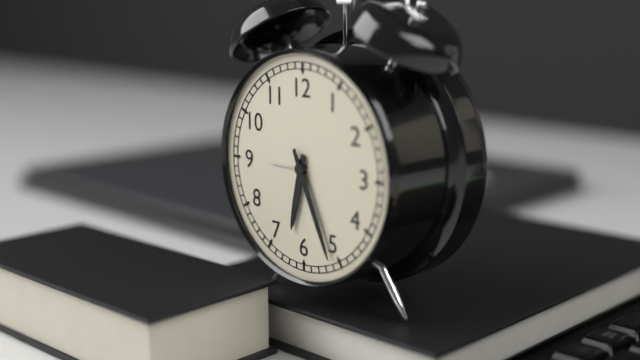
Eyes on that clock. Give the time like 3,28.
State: 6,26
